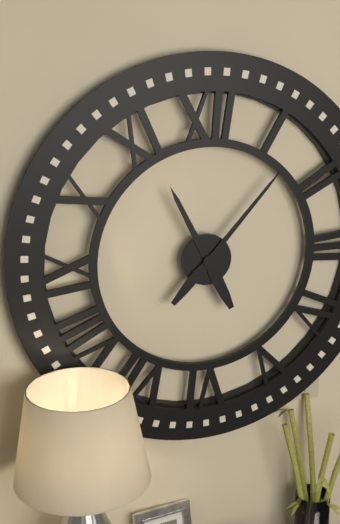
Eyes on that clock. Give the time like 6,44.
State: 11,07
